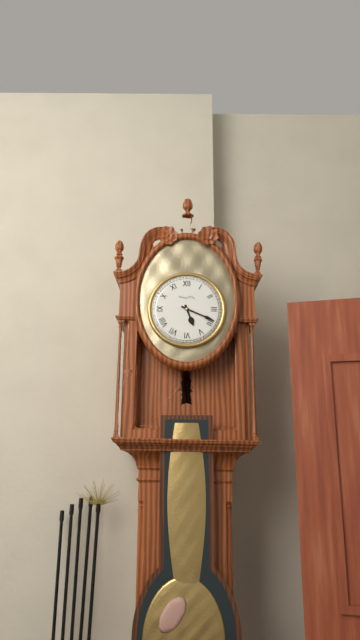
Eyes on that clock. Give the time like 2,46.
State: 5,19
